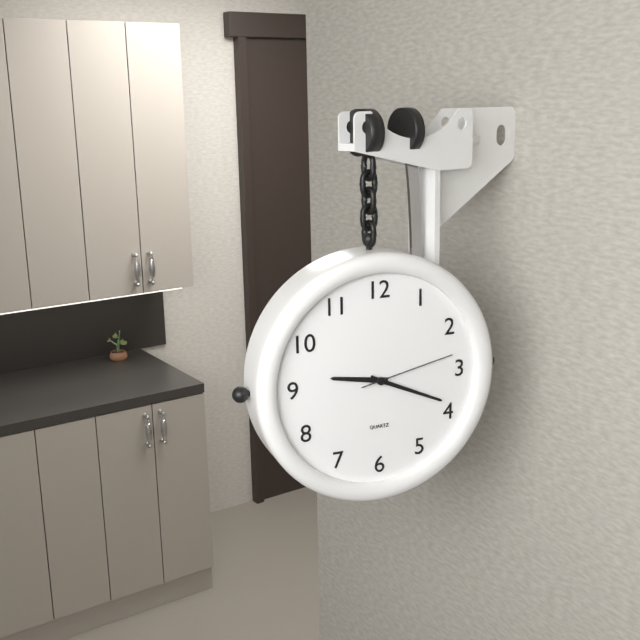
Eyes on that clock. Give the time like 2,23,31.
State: 9,19,13
